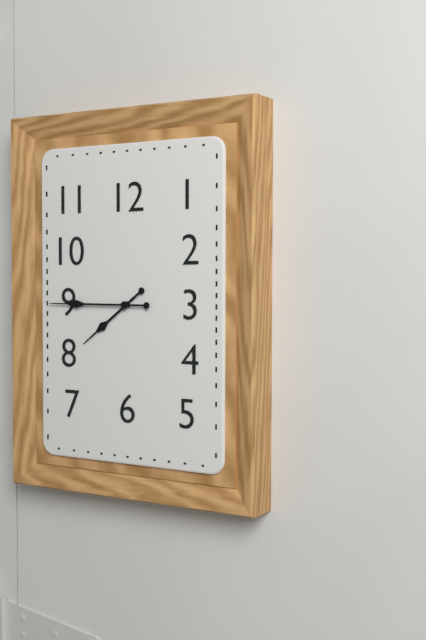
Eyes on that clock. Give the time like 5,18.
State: 7,45
